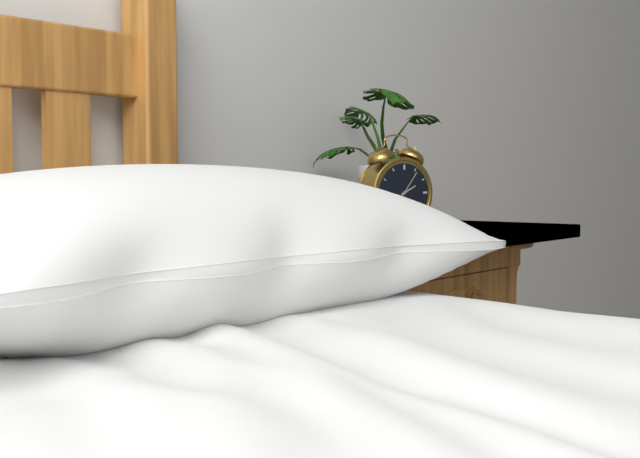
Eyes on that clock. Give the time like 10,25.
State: 2,06
